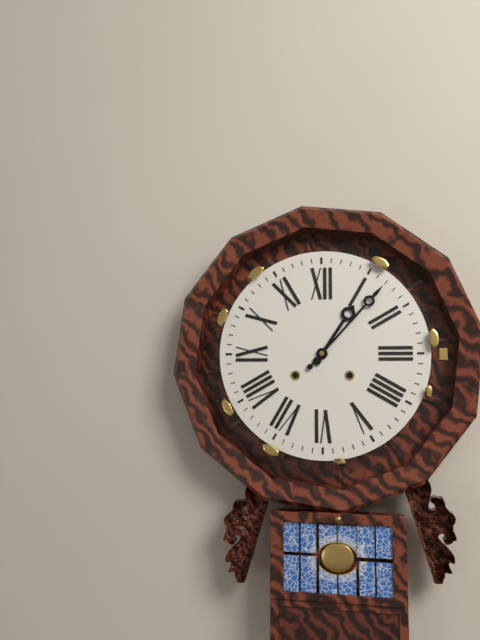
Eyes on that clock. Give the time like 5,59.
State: 1,07
